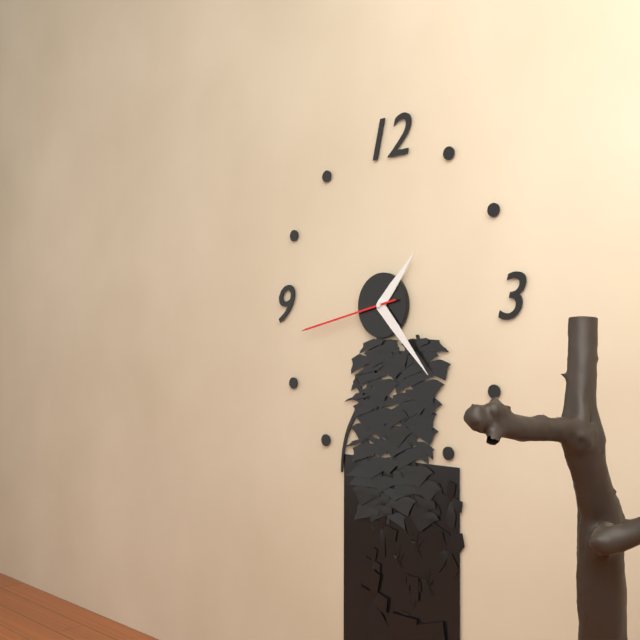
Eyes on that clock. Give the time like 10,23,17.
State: 1,23,43
